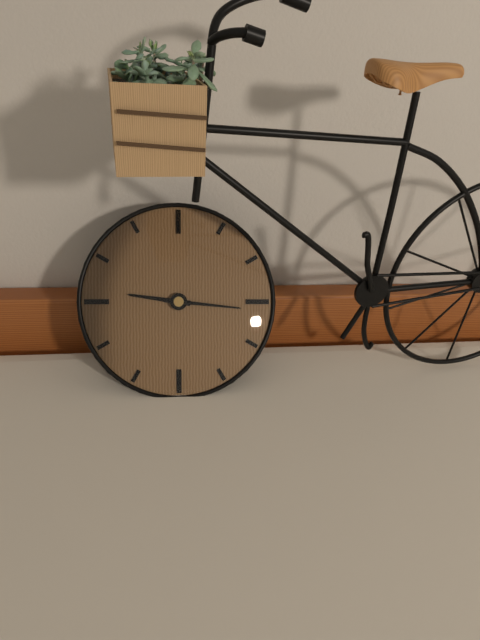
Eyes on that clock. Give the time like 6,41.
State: 9,16
